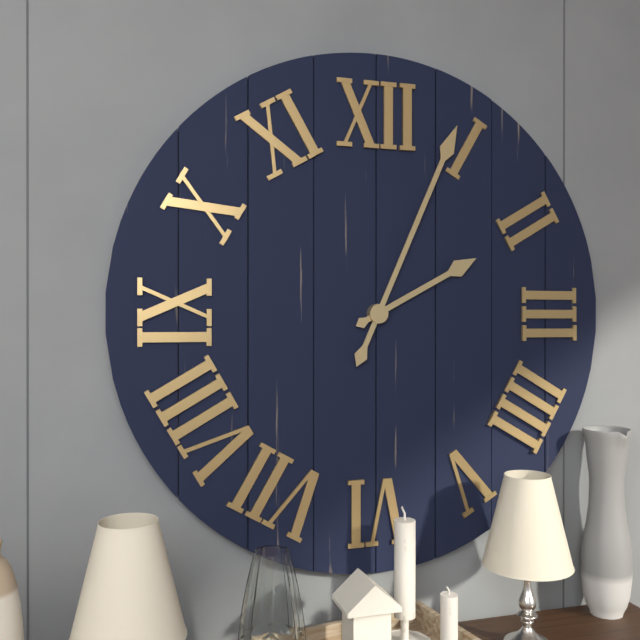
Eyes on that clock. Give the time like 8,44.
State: 2,04
